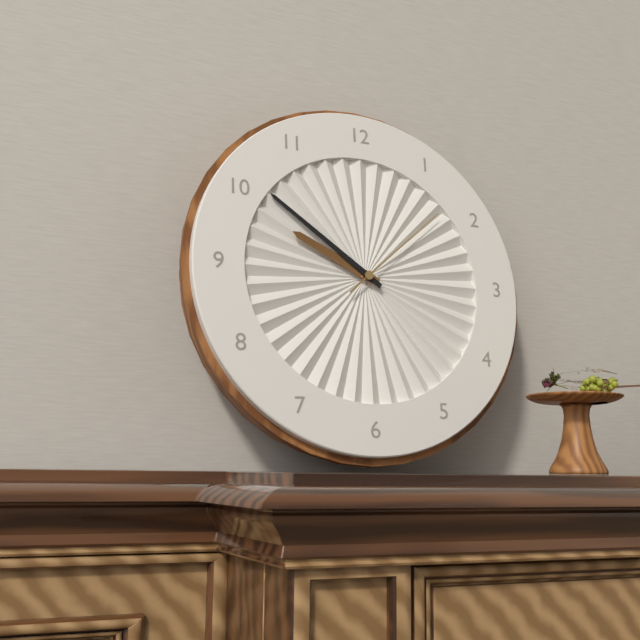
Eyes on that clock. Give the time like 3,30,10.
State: 9,51,08
